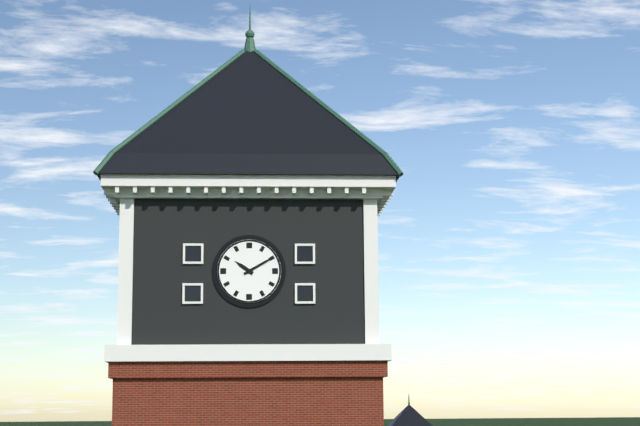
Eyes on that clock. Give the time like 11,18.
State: 10,10
